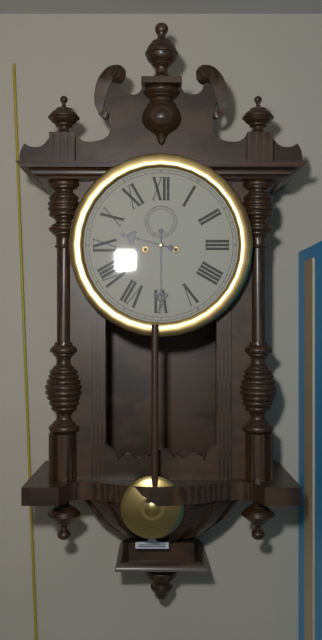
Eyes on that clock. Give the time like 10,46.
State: 9,30
